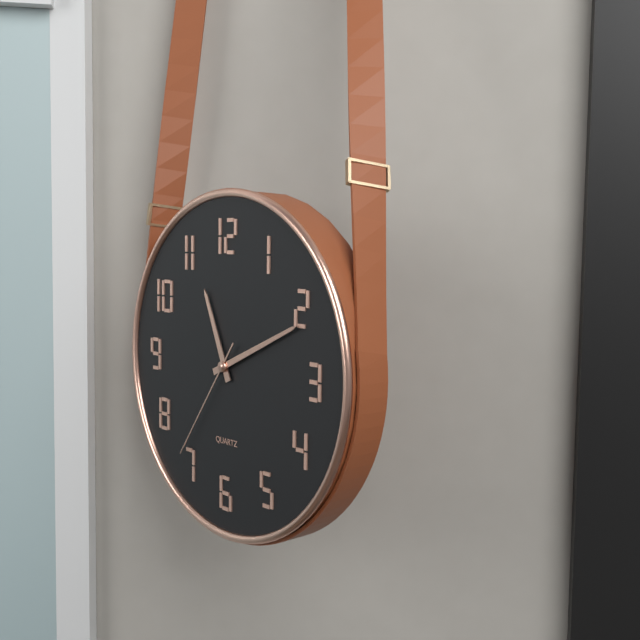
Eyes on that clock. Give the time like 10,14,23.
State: 11,11,36
